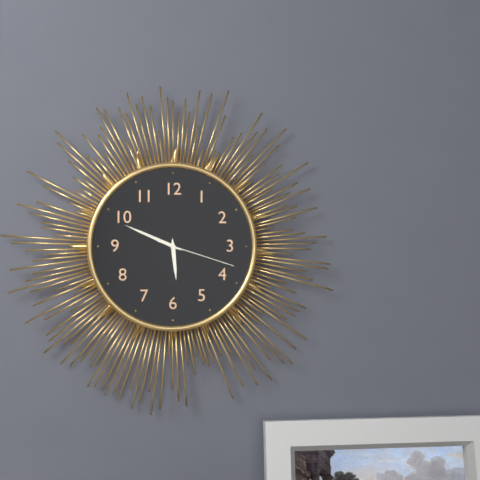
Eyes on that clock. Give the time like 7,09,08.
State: 5,49,18
